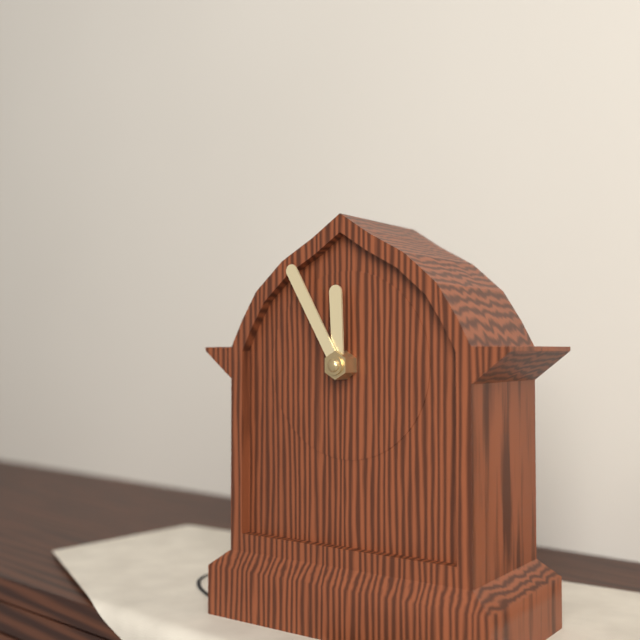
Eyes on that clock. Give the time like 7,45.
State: 11,55
